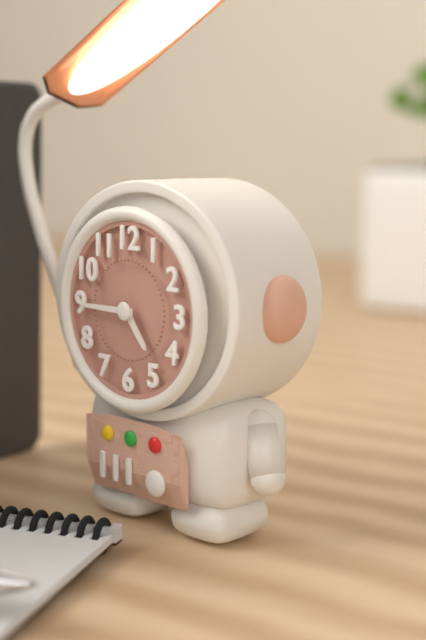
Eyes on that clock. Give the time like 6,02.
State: 4,45
